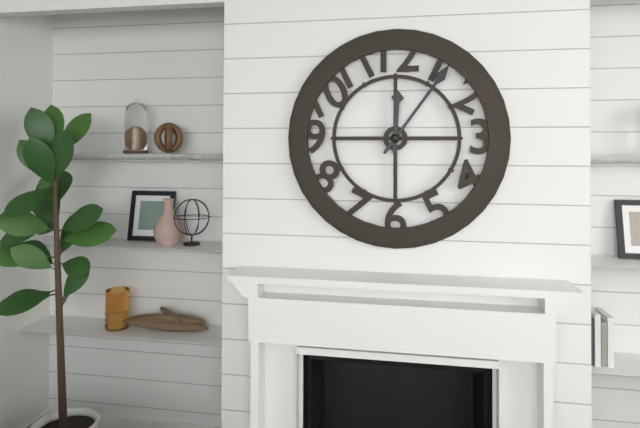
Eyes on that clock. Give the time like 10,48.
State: 12,06
